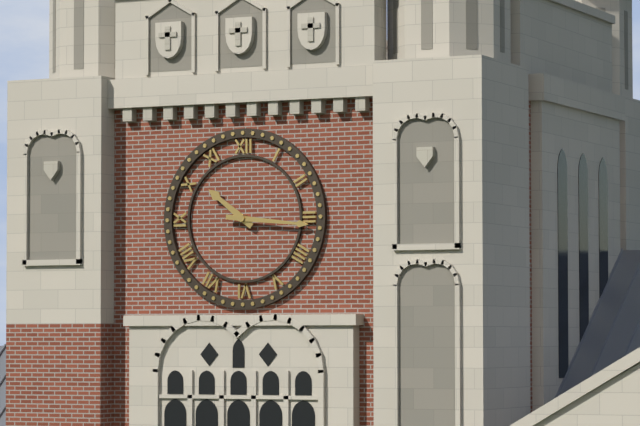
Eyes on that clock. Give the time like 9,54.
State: 10,16
